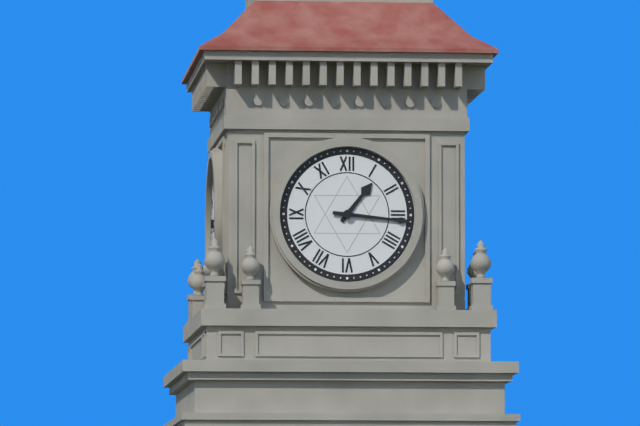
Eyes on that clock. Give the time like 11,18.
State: 1,16
